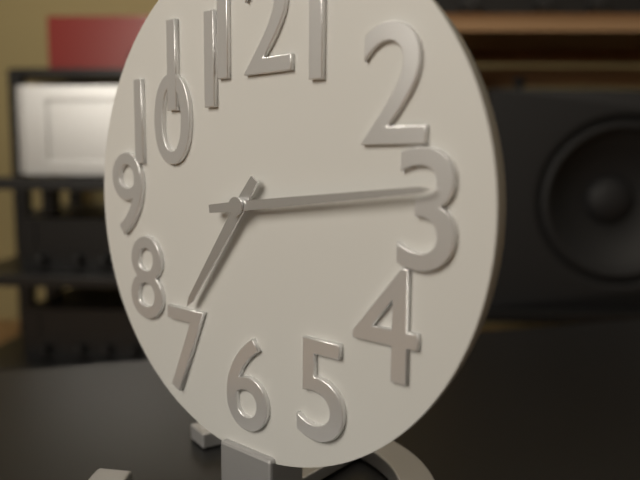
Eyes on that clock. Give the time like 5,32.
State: 7,14
